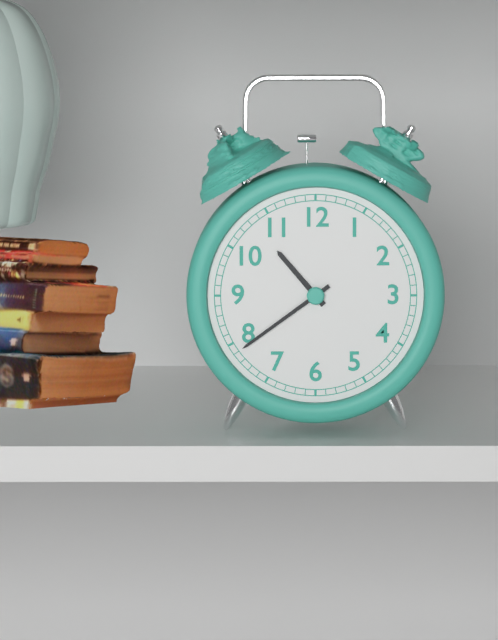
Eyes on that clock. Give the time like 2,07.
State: 10,39
